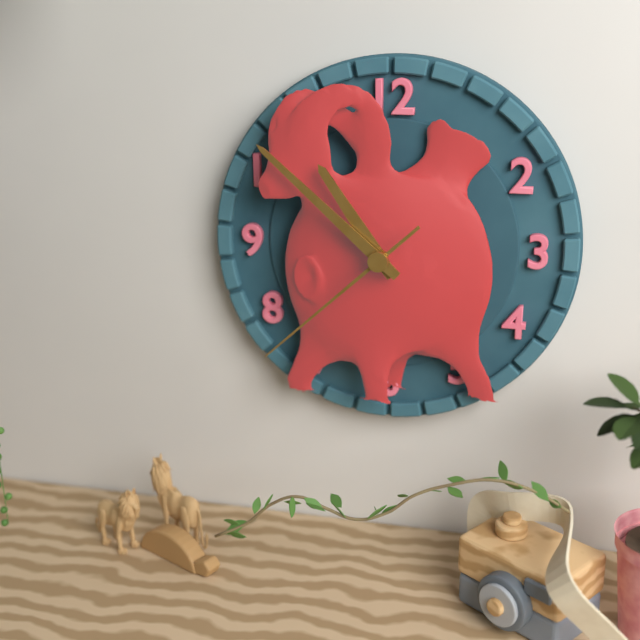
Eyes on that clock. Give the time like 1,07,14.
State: 10,52,38
